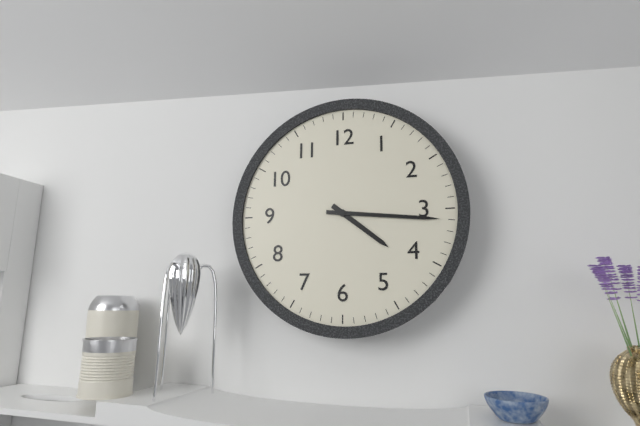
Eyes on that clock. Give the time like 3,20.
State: 4,16
